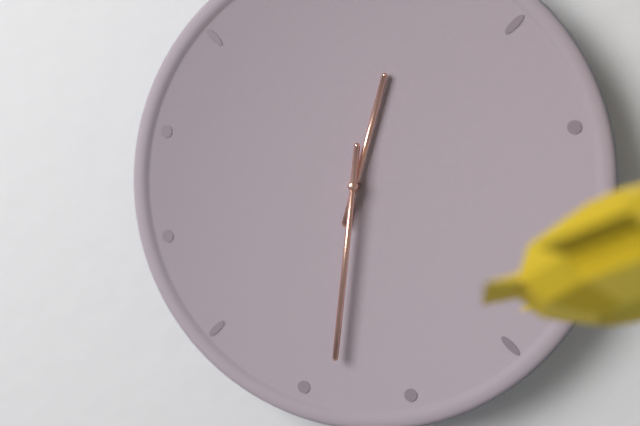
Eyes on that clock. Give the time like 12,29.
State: 12,31
